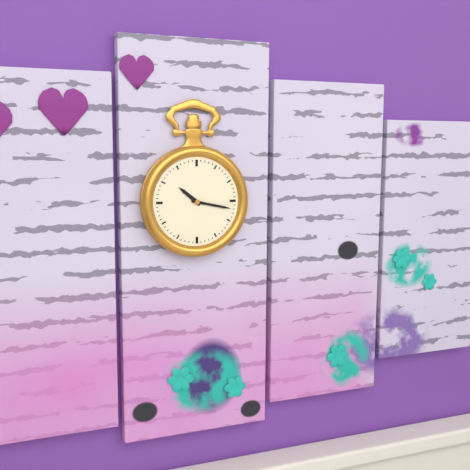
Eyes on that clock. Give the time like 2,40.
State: 10,17
